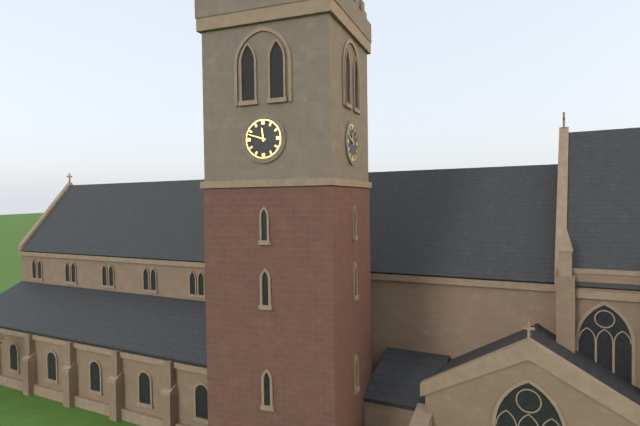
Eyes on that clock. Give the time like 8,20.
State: 11,48
